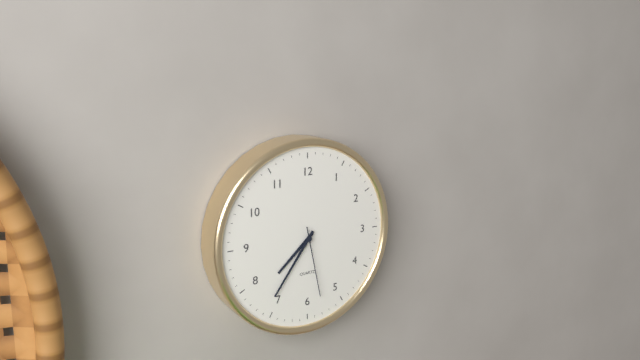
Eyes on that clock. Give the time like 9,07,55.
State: 7,36,28
